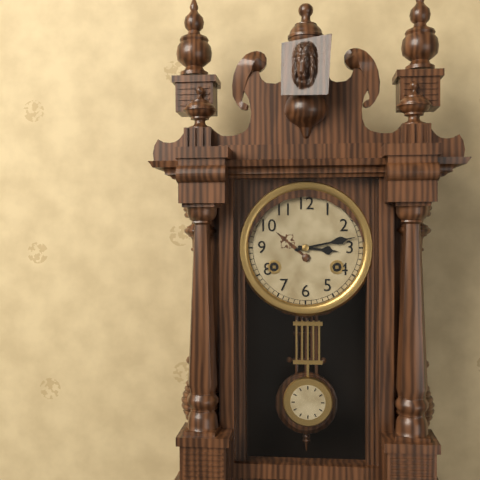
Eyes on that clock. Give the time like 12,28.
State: 3,13
